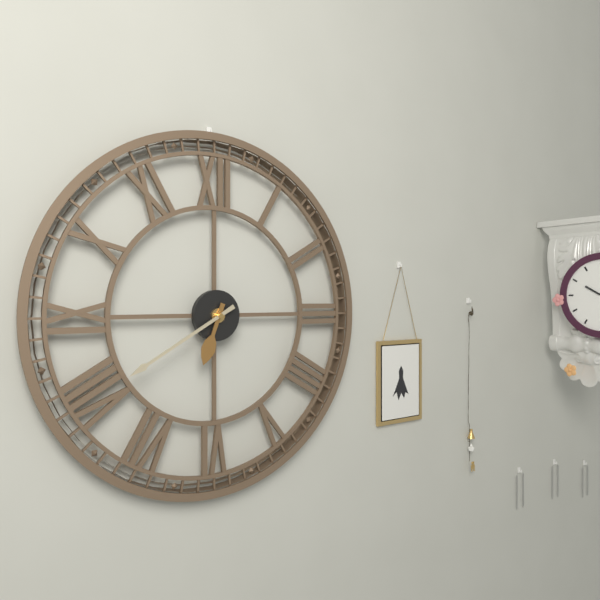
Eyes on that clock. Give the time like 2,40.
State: 6,40
